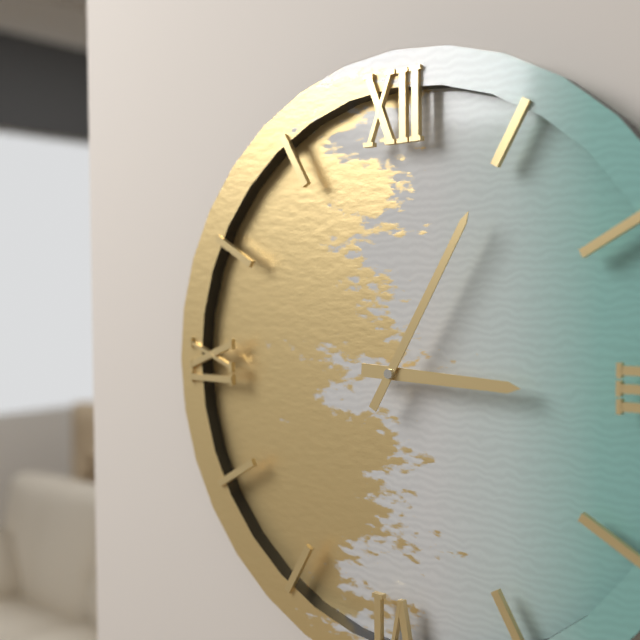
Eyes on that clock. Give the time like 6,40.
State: 3,05
